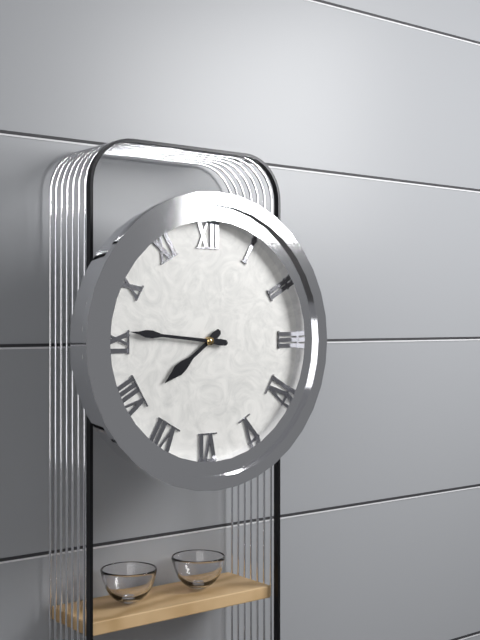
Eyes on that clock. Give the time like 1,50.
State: 7,46
